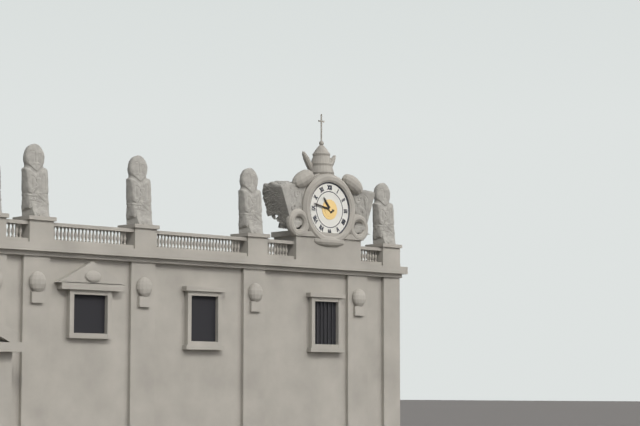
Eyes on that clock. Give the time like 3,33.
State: 10,47
